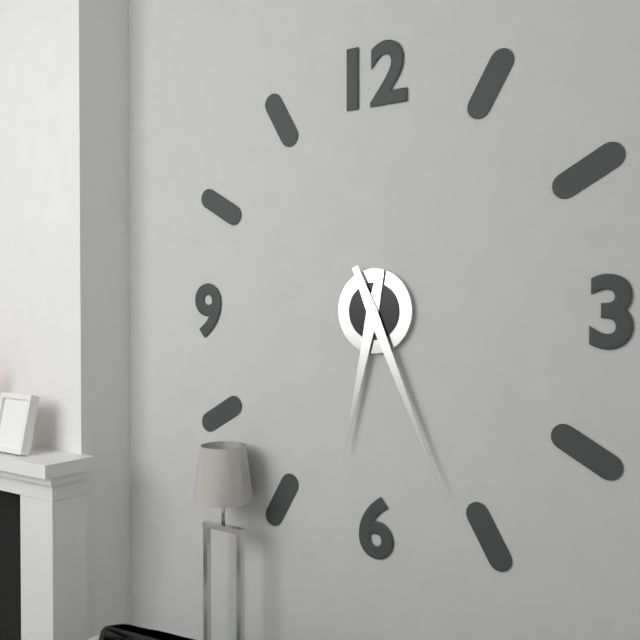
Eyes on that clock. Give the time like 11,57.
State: 6,26
